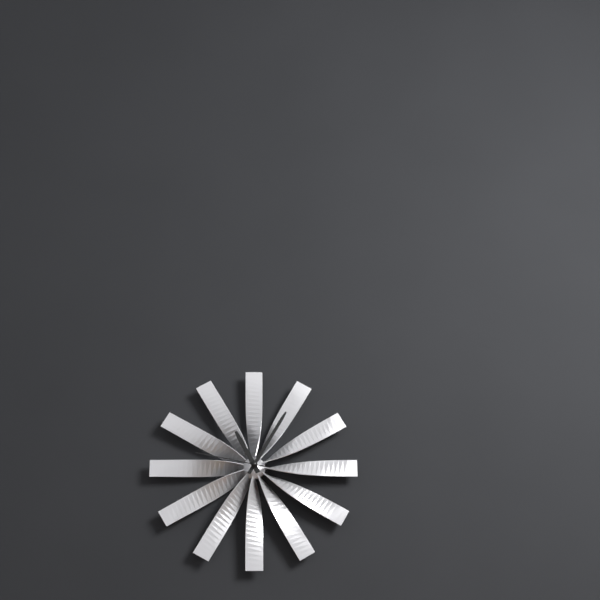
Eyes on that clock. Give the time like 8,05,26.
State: 11,05,47
